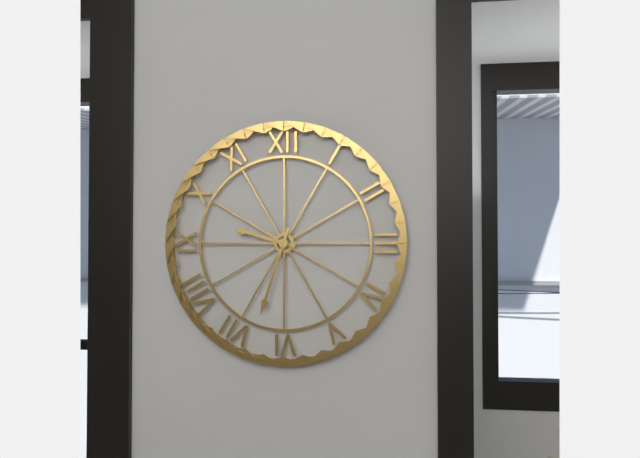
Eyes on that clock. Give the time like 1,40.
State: 9,33
